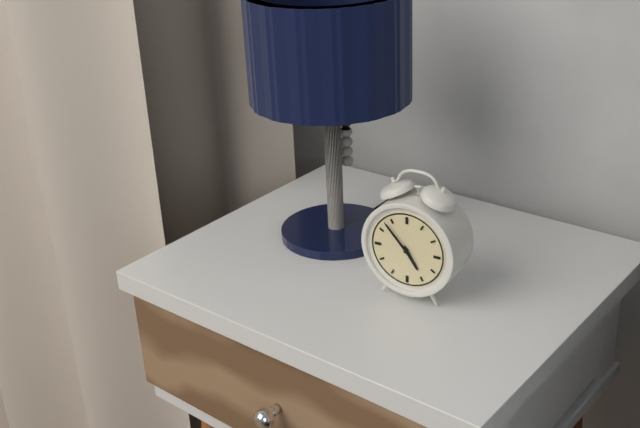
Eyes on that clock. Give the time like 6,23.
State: 4,53
